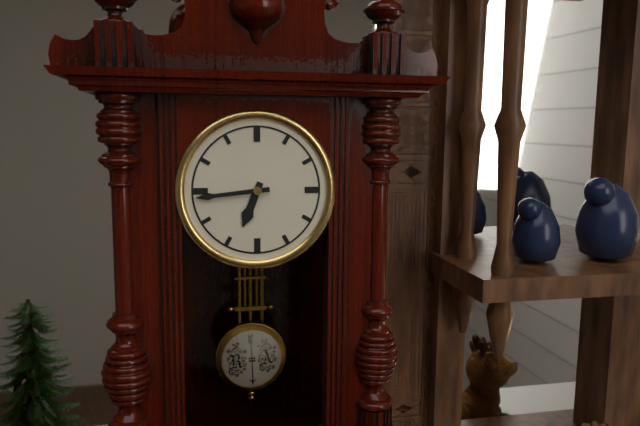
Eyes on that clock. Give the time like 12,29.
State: 6,44
